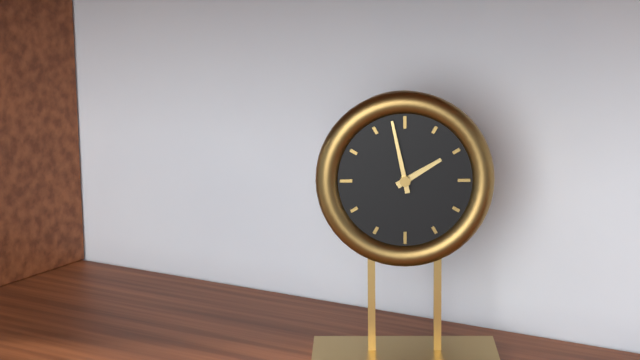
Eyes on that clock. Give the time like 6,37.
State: 1,58
